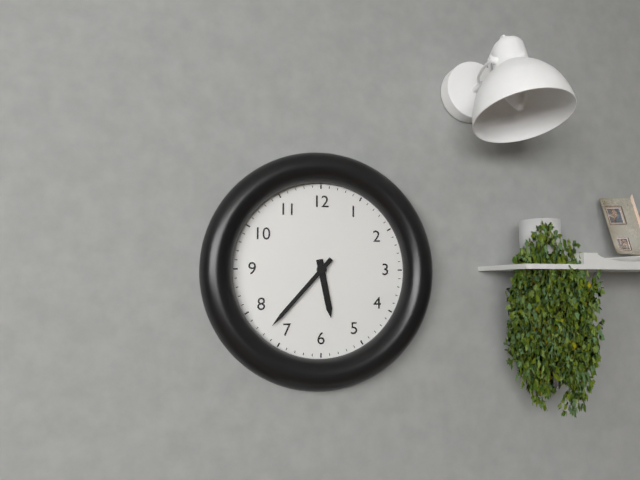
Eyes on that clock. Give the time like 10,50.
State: 5,37
